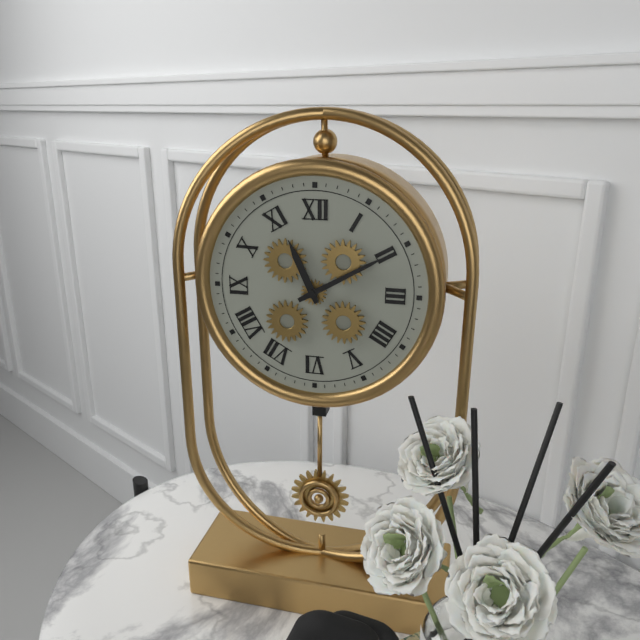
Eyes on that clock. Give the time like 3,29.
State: 11,10
